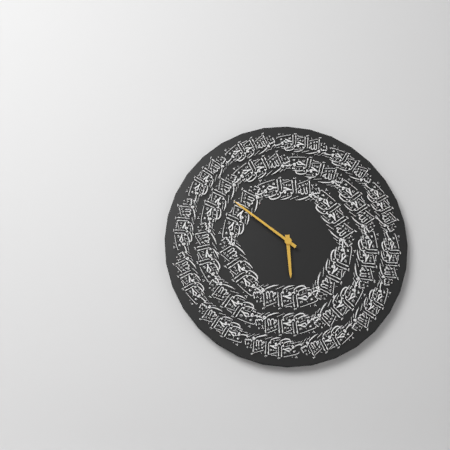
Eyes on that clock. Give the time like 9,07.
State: 5,51
